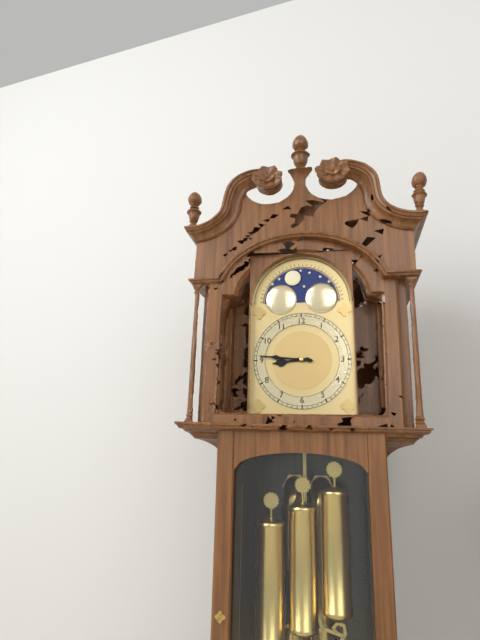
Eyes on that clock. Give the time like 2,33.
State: 8,46
